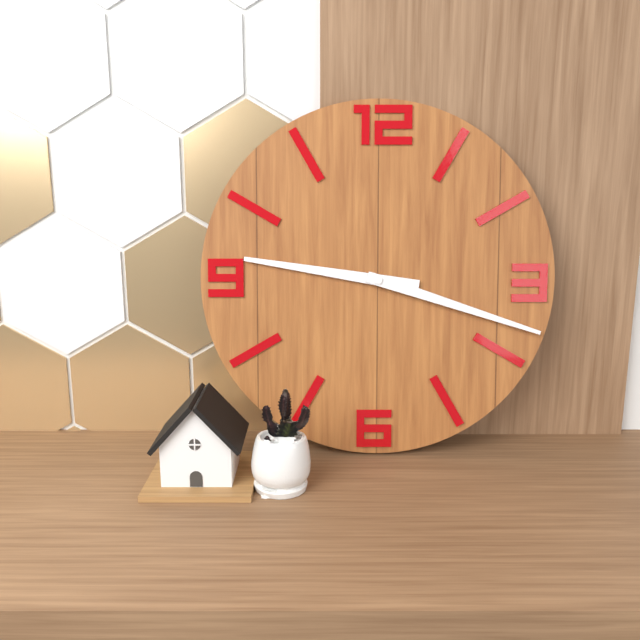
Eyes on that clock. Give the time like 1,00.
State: 9,18
